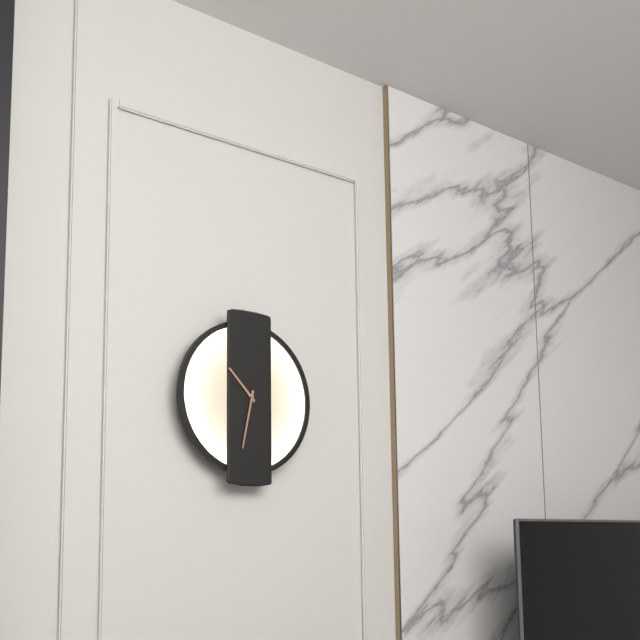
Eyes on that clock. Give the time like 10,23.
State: 10,32
